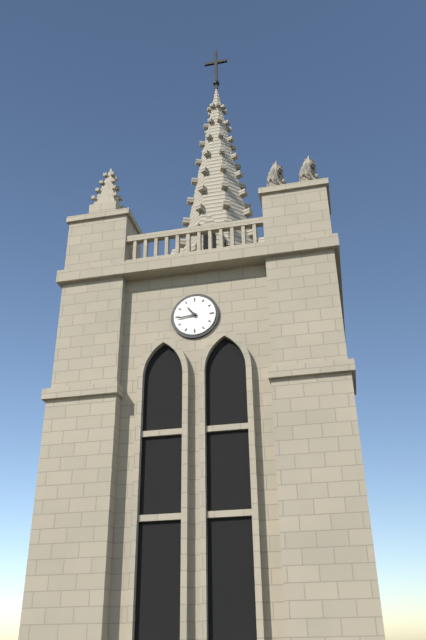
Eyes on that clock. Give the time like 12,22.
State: 10,44
